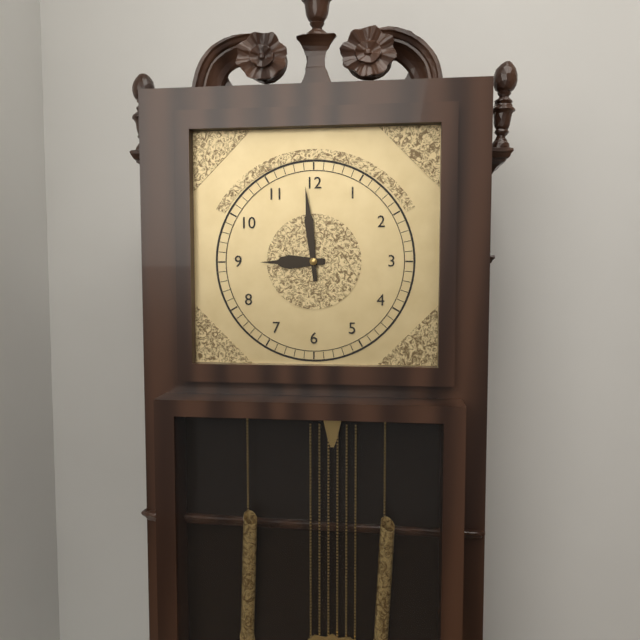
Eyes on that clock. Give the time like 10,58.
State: 8,59
